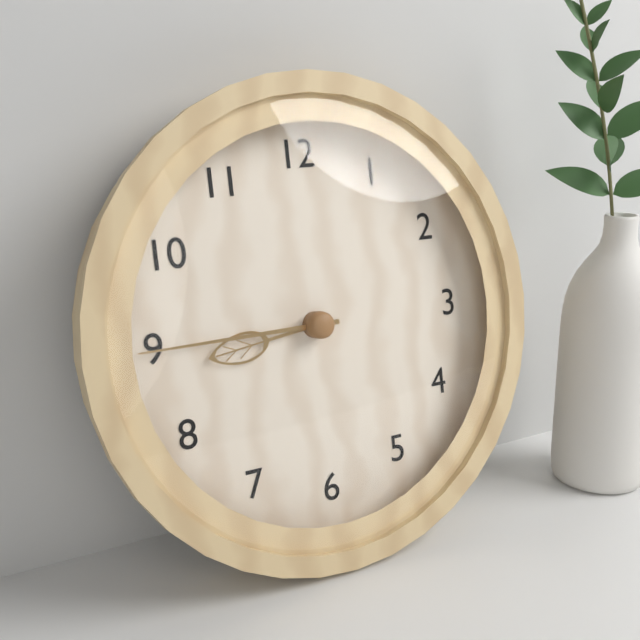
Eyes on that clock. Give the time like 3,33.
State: 8,45
